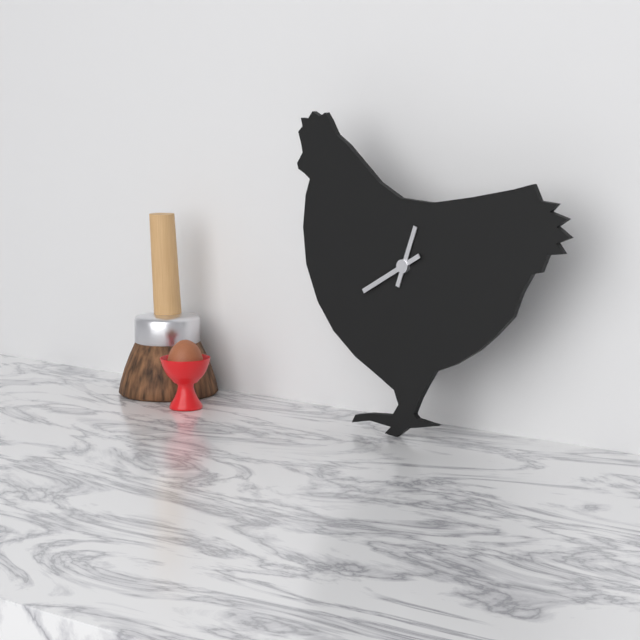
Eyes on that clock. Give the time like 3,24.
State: 12,40
